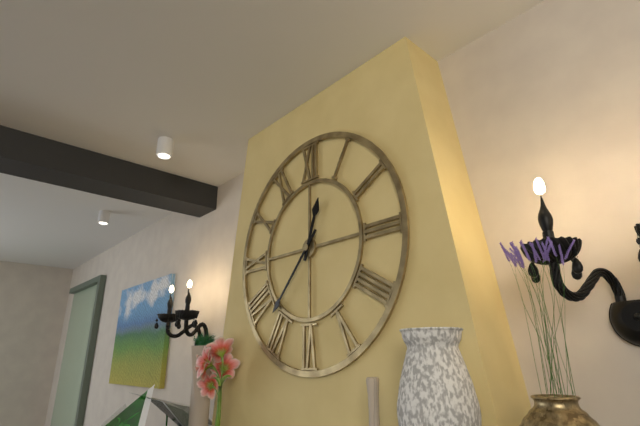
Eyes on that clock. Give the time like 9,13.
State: 12,37
